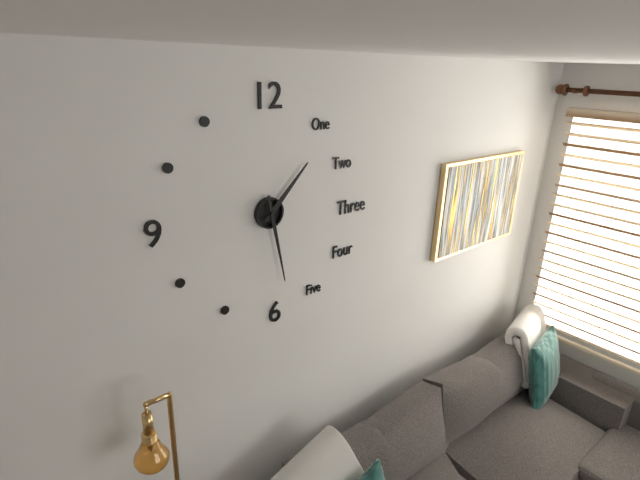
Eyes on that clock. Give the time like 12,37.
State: 1,28
